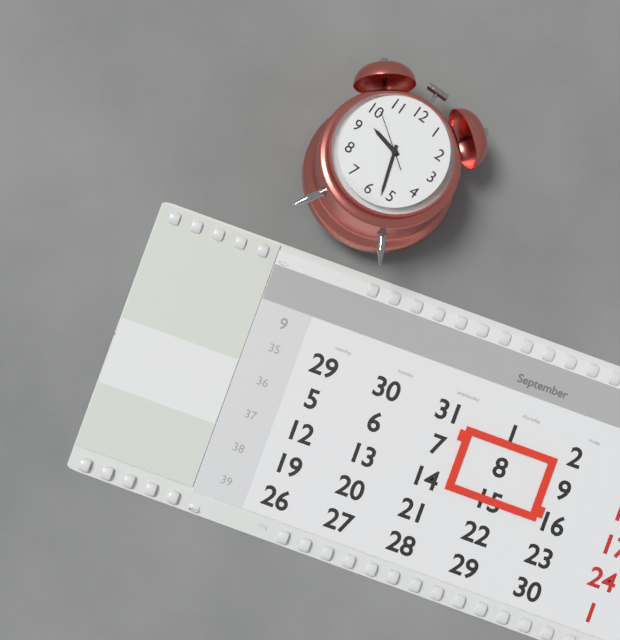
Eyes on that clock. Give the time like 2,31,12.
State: 9,27,51
